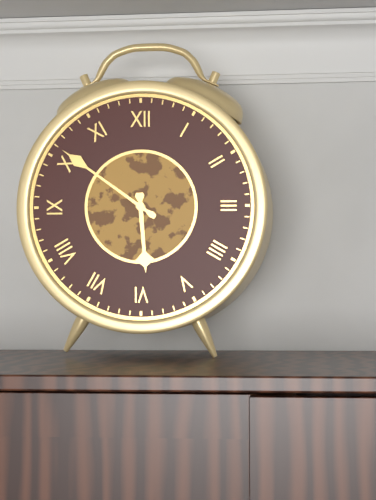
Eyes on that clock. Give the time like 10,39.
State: 5,51
